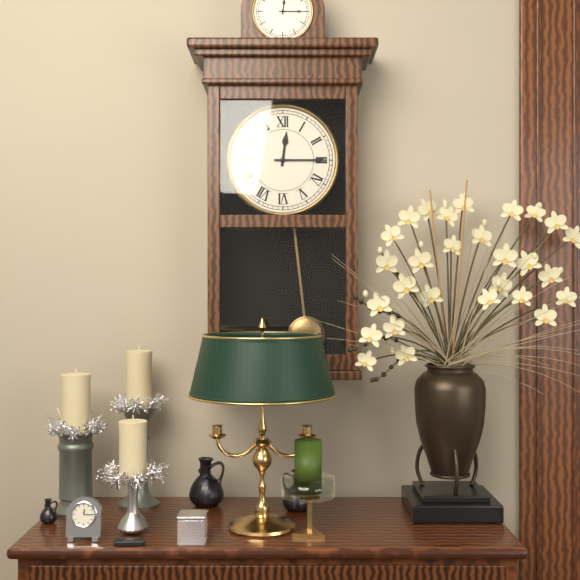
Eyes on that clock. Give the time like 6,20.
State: 12,15
